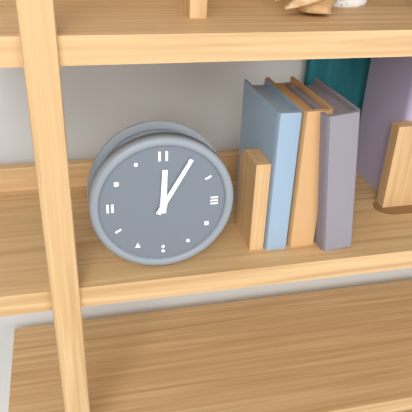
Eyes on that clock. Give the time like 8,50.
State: 12,05
